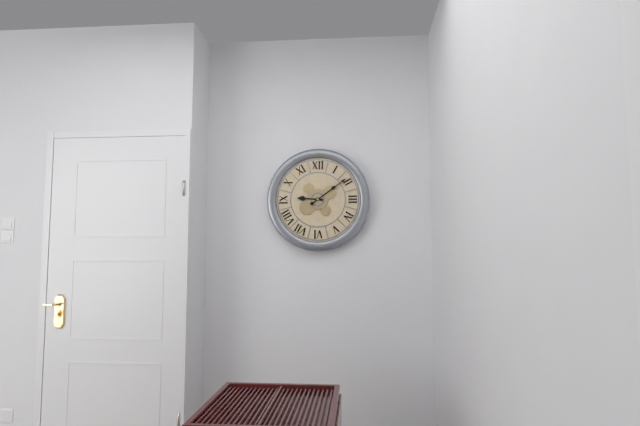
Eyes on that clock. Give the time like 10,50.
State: 9,09
